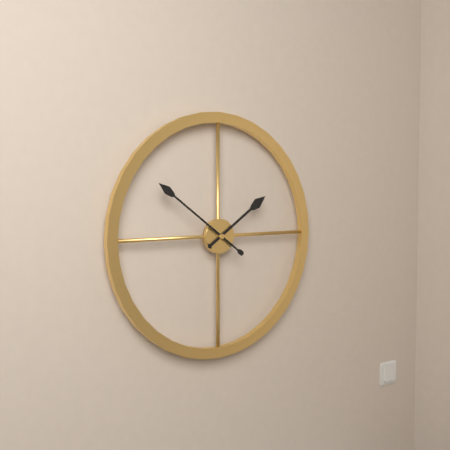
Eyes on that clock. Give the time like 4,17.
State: 1,51
